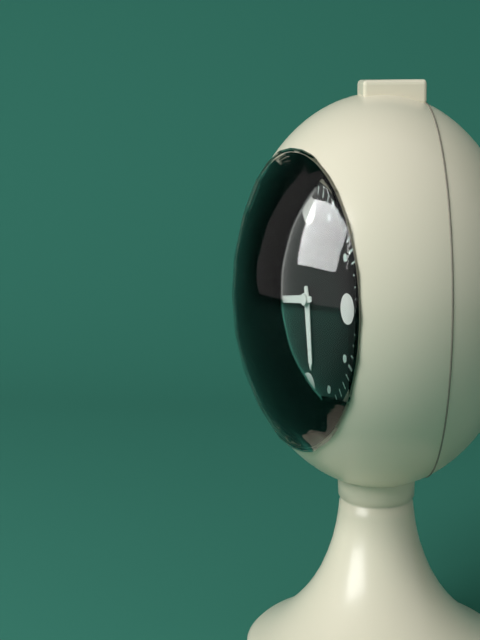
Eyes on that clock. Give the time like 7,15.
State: 5,44
